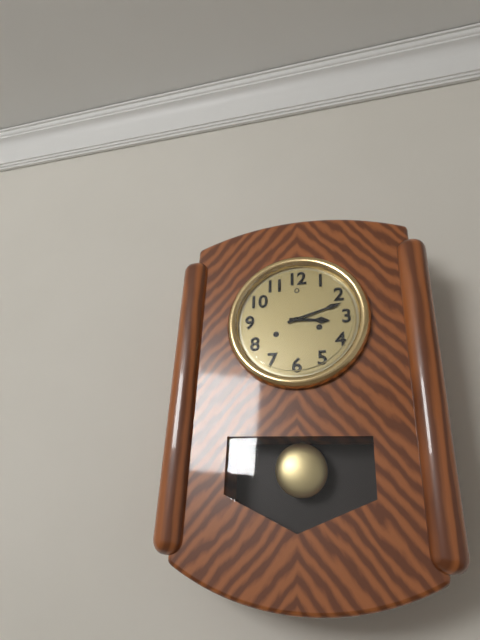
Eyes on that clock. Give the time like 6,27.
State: 3,12
